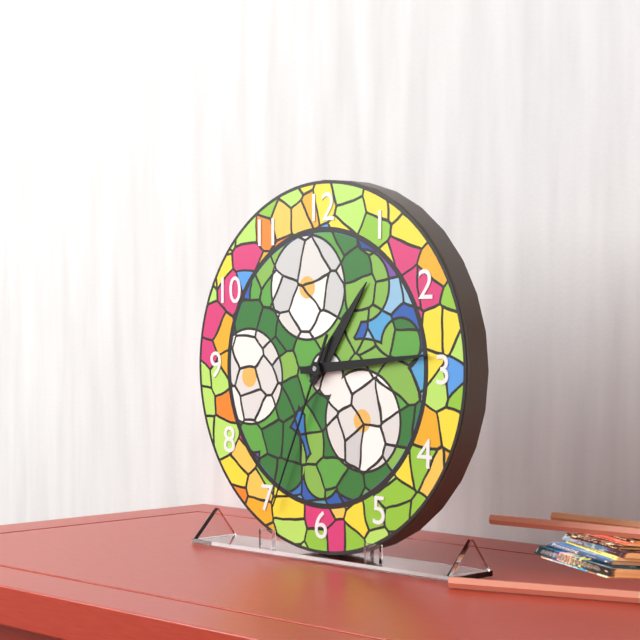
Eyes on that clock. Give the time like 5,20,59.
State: 1,14,34
